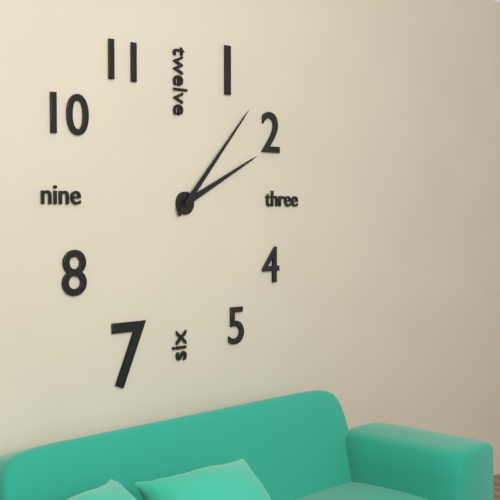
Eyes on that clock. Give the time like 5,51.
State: 2,07
